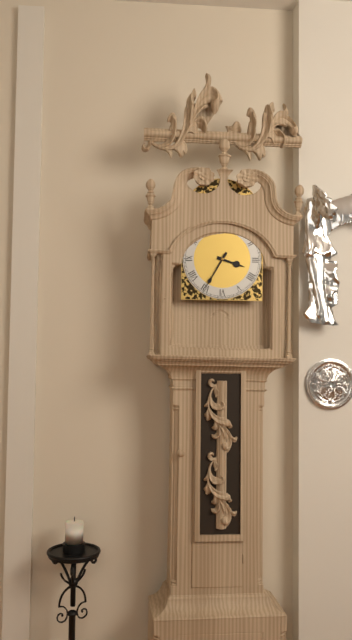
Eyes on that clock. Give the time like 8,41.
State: 3,35
